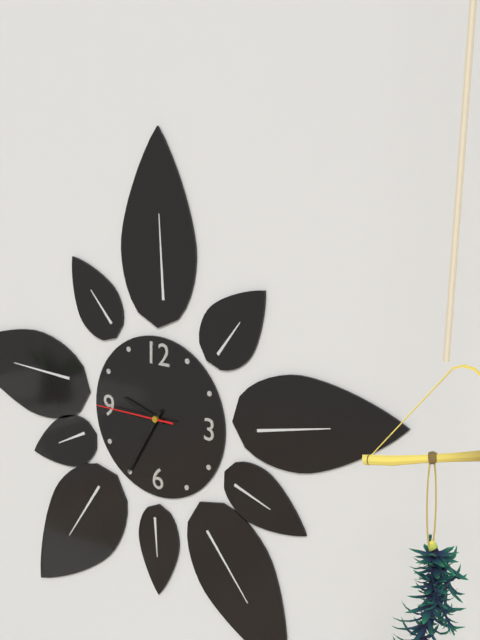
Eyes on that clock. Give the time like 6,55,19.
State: 9,35,45
